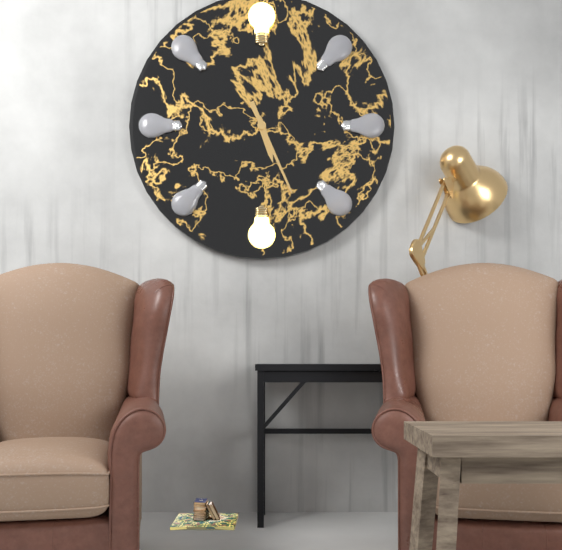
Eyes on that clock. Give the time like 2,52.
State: 5,26
